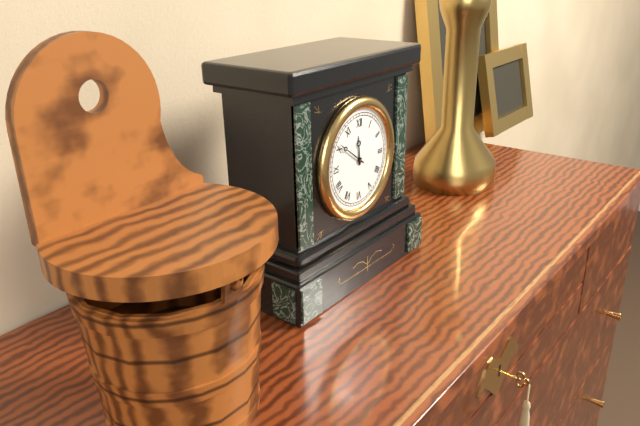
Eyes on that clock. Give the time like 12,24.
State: 11,51
